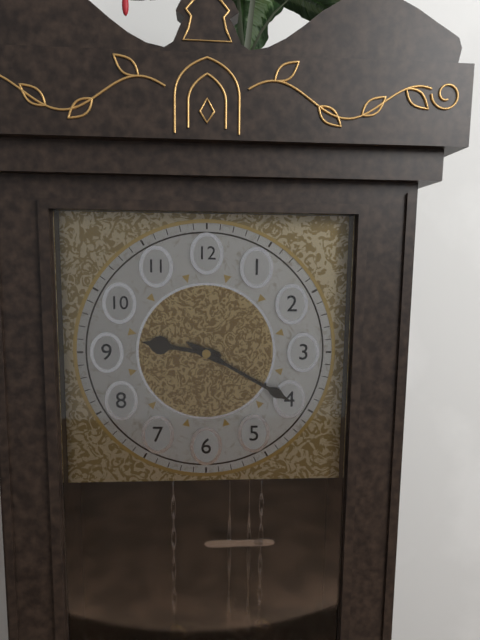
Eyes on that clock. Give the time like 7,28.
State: 9,20
